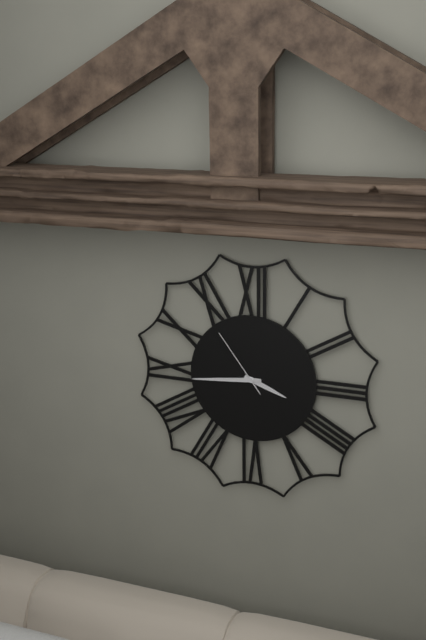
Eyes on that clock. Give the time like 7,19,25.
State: 3,44,54
